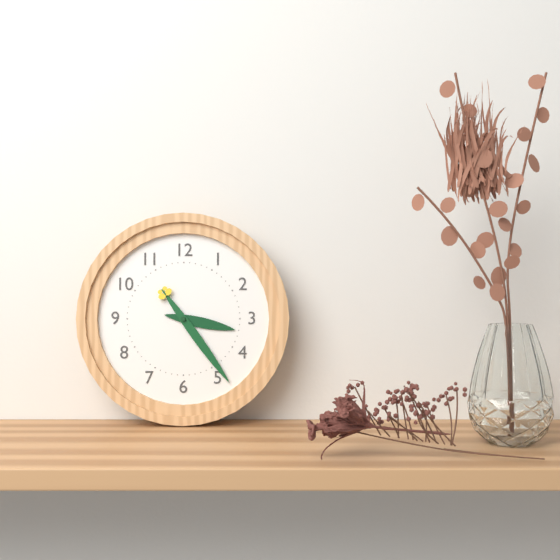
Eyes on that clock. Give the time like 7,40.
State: 3,24
